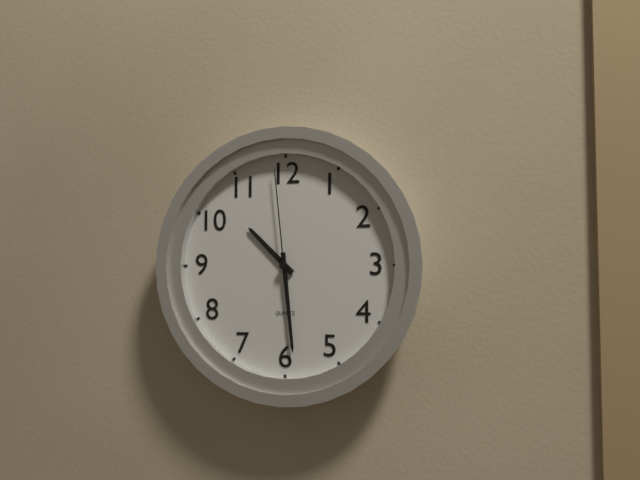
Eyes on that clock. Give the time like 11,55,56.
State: 10,29,59
